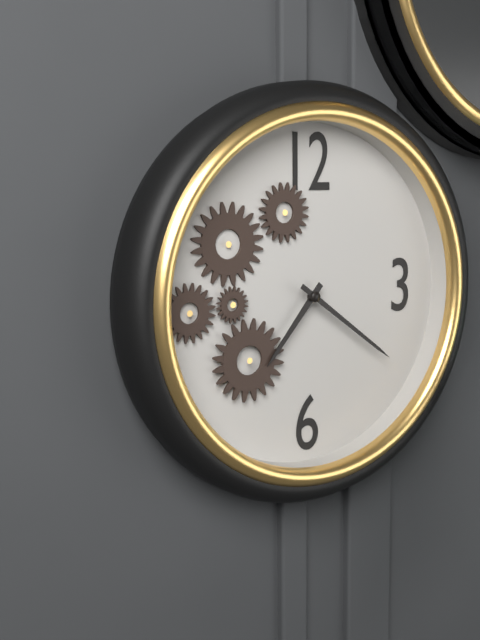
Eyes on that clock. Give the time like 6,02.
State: 7,21
